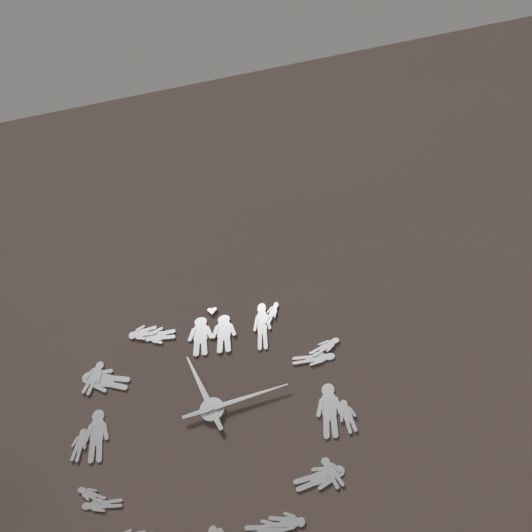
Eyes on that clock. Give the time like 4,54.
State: 11,13
